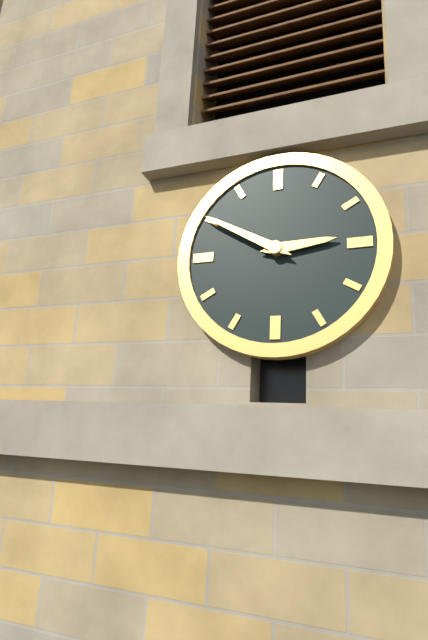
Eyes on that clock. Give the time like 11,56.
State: 2,50
